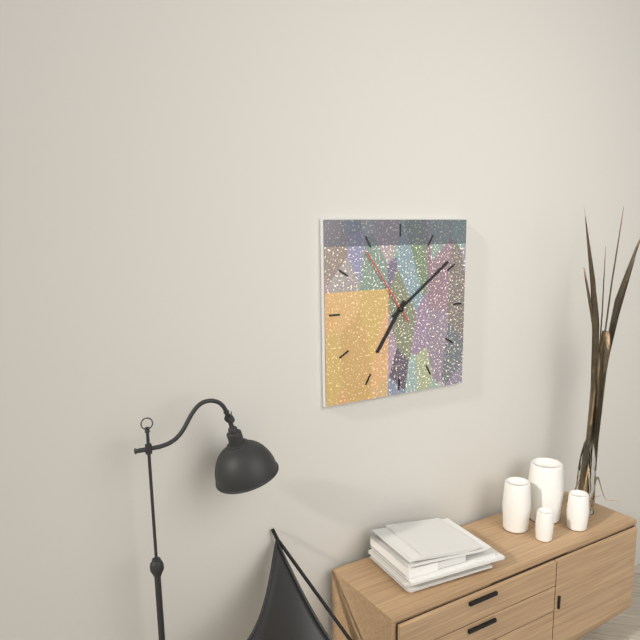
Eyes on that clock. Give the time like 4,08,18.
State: 7,09,54
